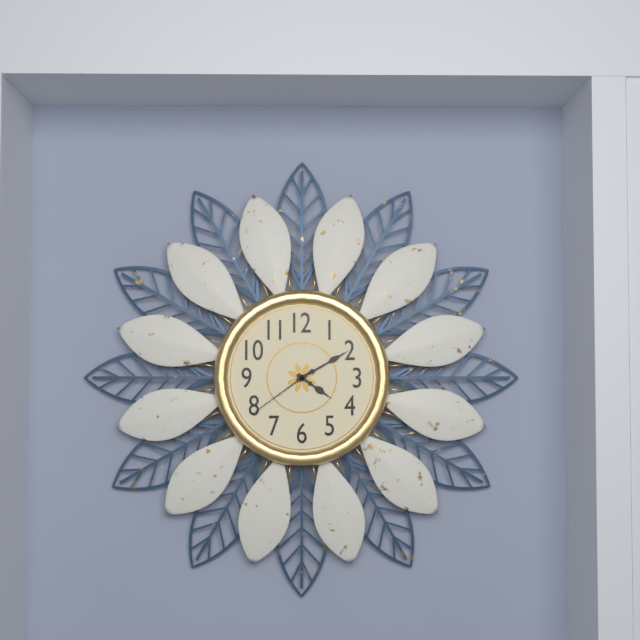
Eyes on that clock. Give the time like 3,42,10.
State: 4,10,39
